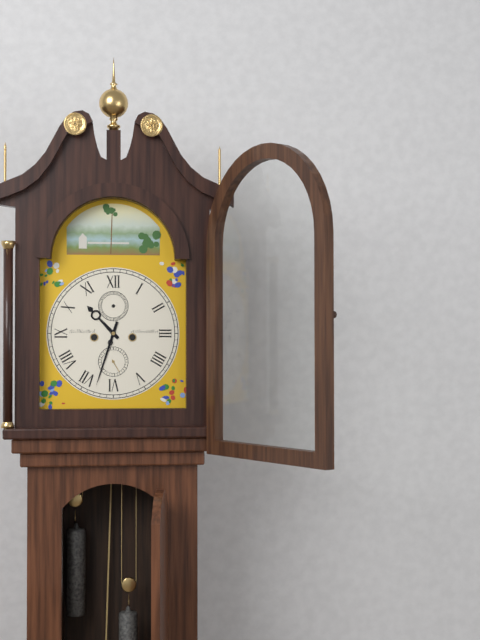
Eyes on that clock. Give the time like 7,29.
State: 10,33
